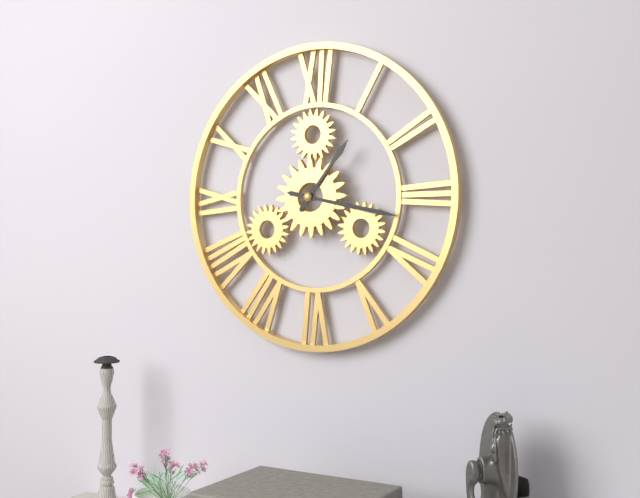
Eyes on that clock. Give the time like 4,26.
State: 1,17
